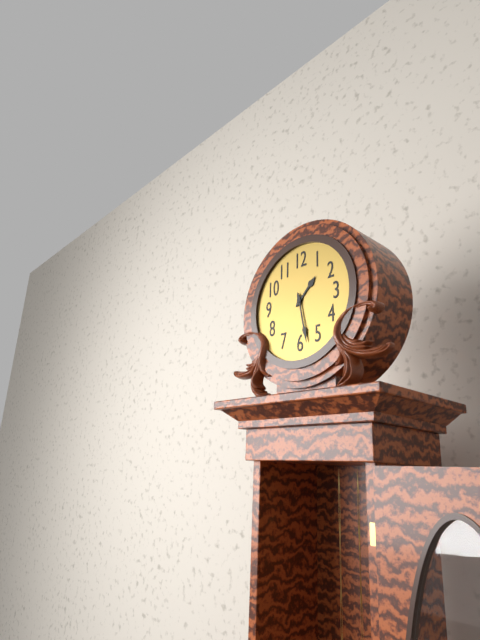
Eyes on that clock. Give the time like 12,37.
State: 1,28
